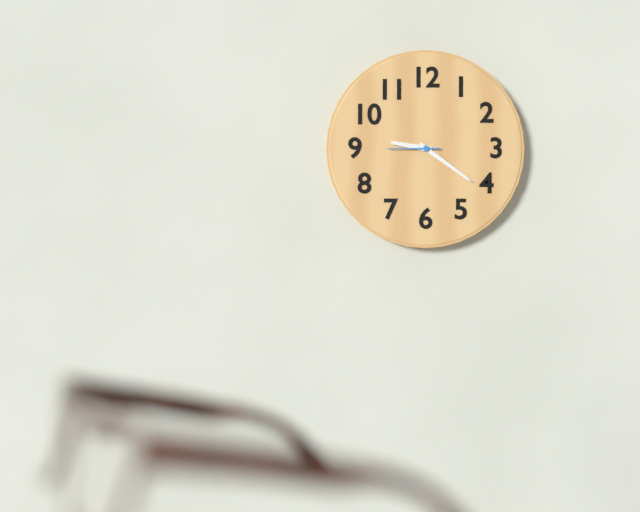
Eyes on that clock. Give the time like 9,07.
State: 9,21
